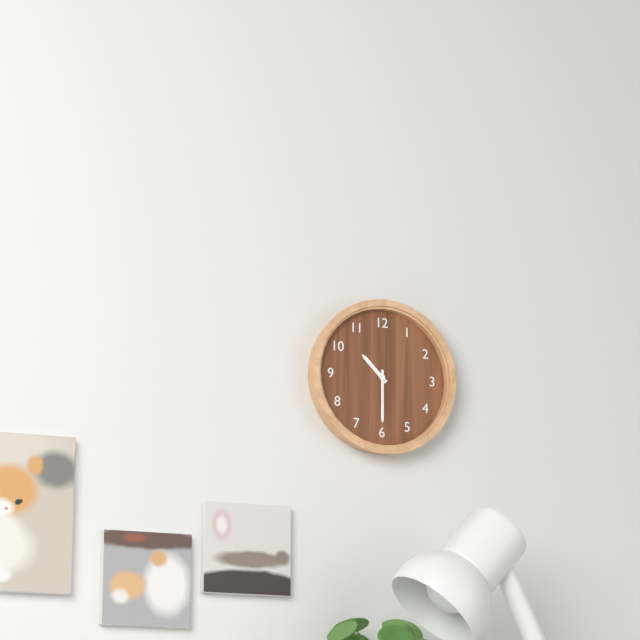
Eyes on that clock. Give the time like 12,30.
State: 10,30
